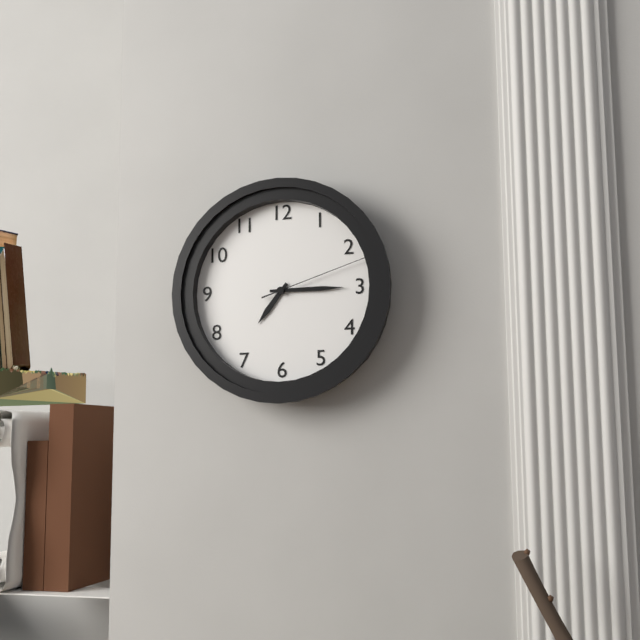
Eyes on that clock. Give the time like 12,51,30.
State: 7,15,12
